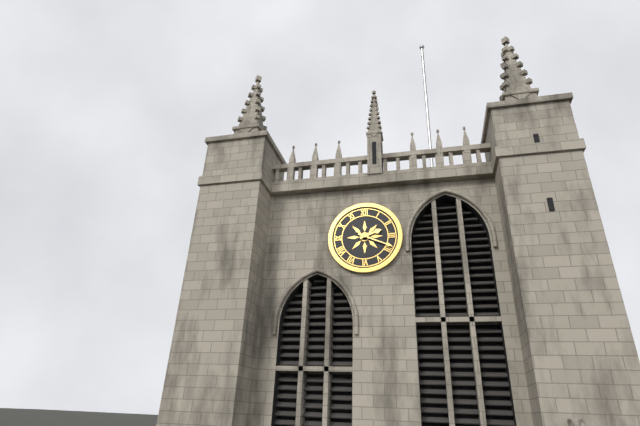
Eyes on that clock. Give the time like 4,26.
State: 2,19
